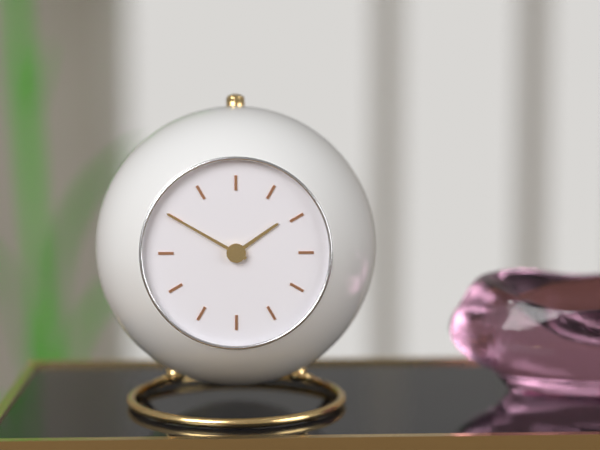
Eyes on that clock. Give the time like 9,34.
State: 1,50
